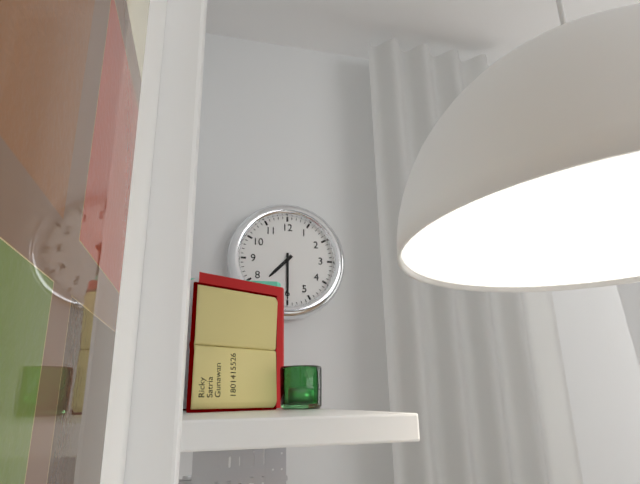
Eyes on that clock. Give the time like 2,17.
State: 7,30
